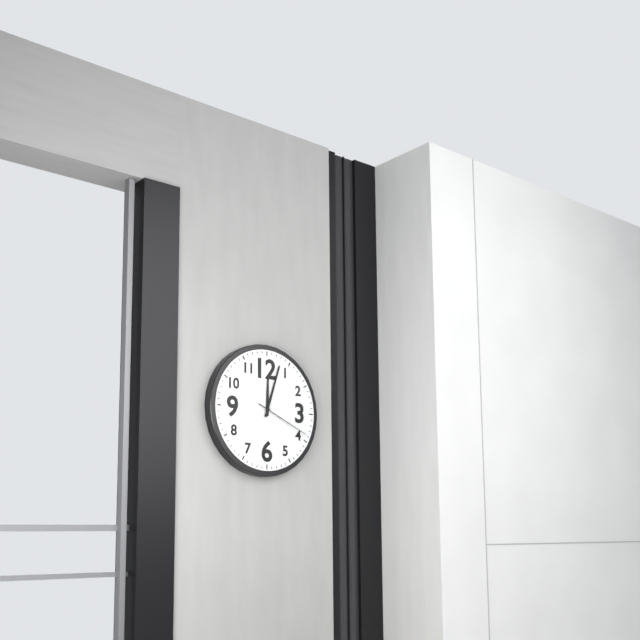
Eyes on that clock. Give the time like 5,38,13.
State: 12,03,19
